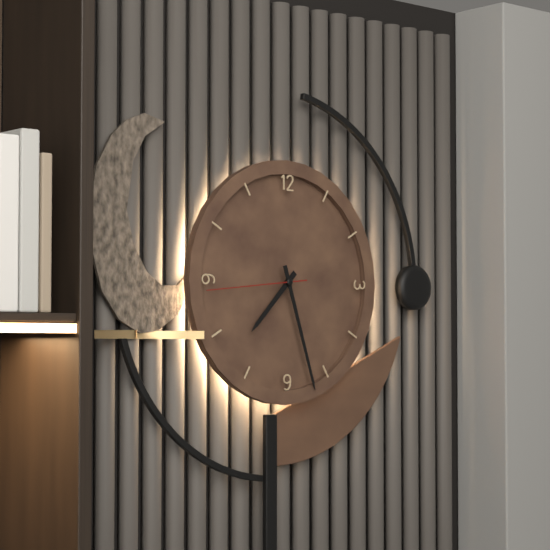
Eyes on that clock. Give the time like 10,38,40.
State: 7,27,44
